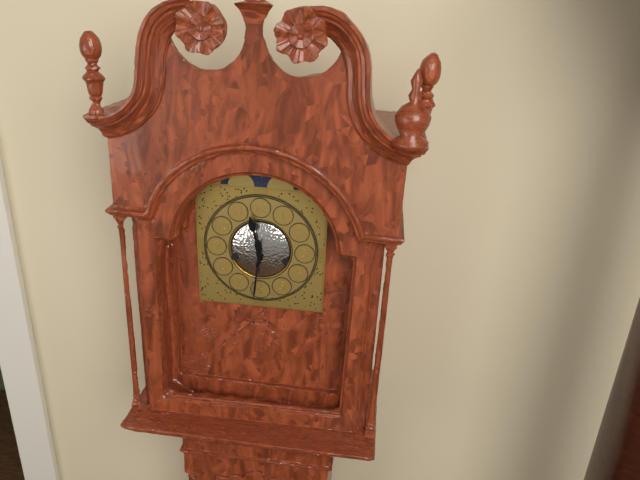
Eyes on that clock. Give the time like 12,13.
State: 11,31
